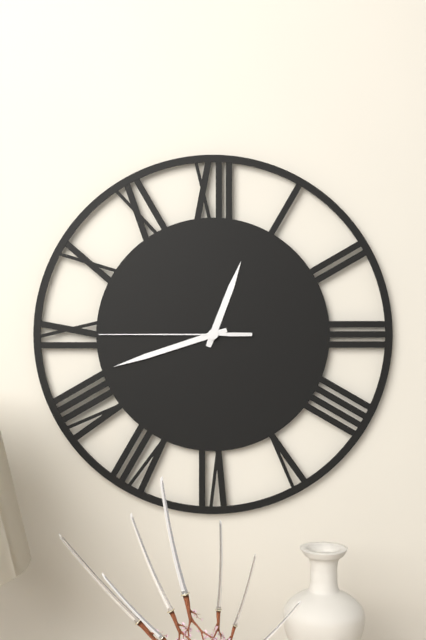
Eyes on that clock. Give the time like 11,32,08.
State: 12,42,45
